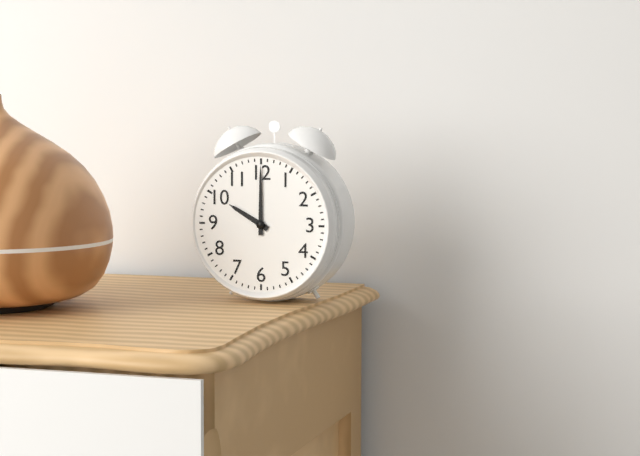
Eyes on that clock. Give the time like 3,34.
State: 10,00
